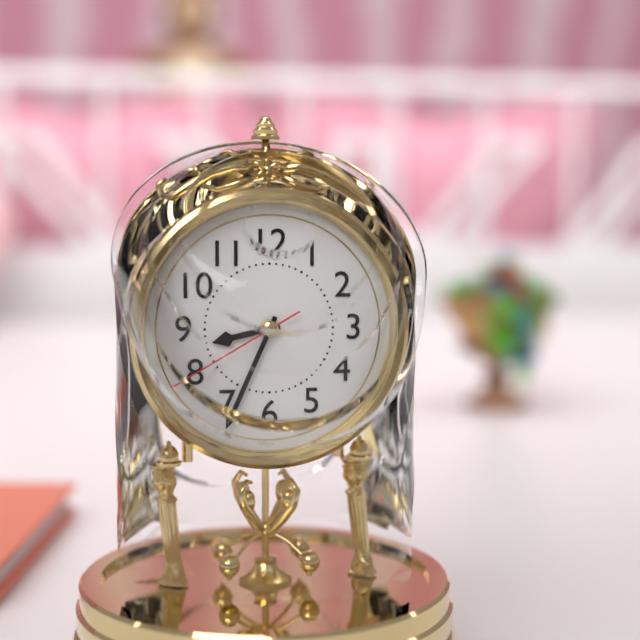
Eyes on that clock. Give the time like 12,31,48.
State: 8,34,40
